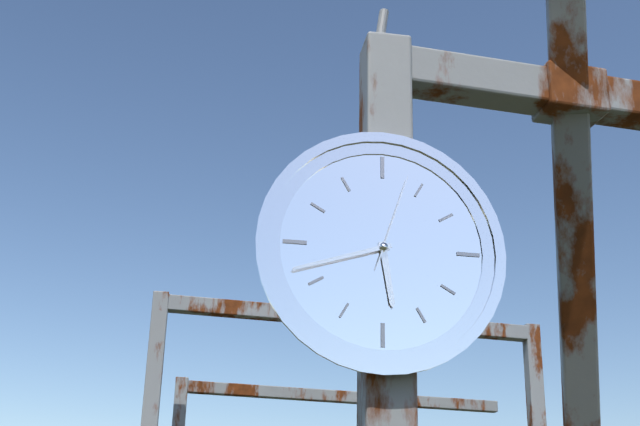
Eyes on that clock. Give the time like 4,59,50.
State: 5,42,03
